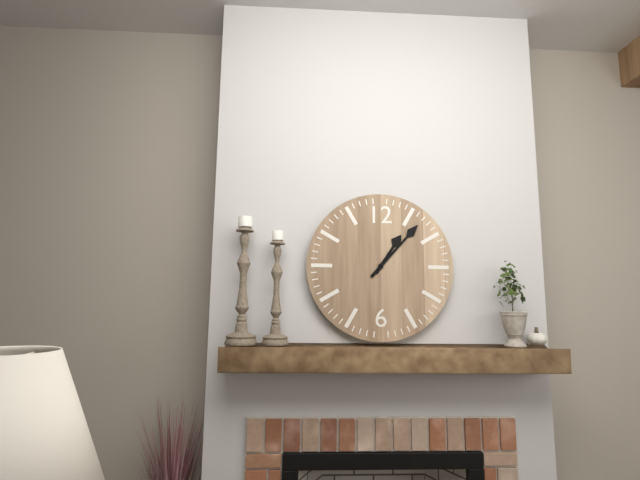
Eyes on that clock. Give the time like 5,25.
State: 1,07
